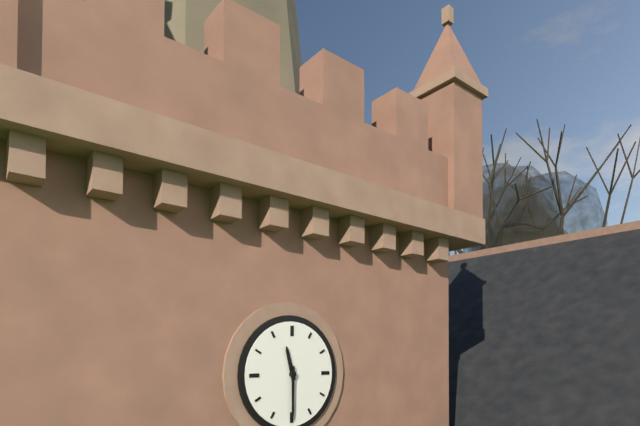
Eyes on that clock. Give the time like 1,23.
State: 11,30
